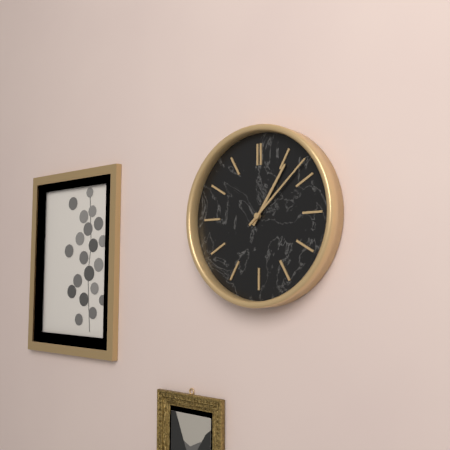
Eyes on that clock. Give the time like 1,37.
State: 1,08
